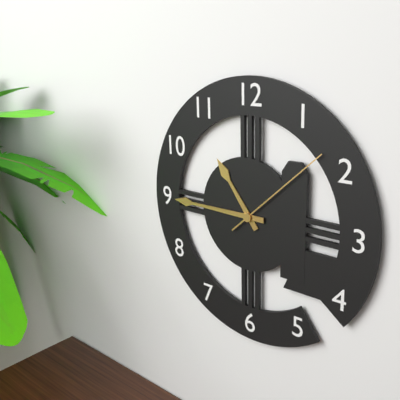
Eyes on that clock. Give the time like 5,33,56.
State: 10,45,08
